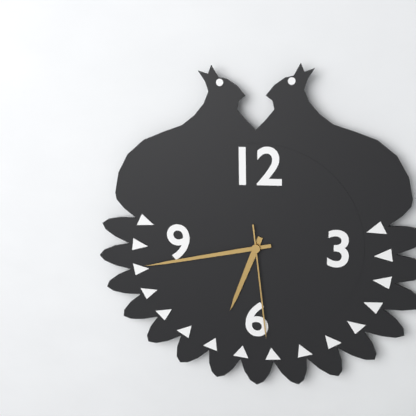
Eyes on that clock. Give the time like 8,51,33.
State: 6,43,29
